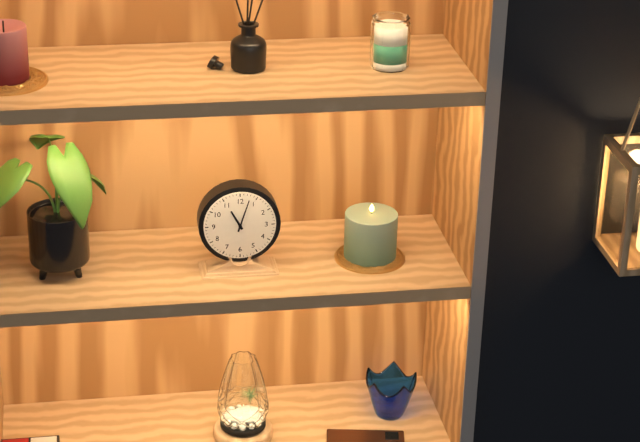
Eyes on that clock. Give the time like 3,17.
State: 11,03
